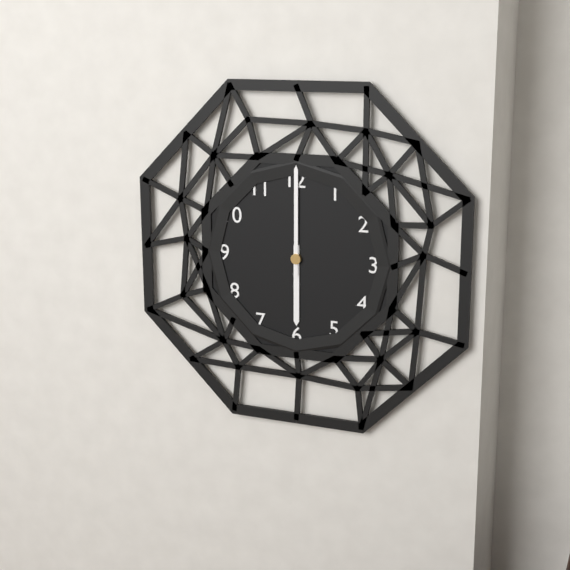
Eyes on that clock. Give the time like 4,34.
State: 6,00
